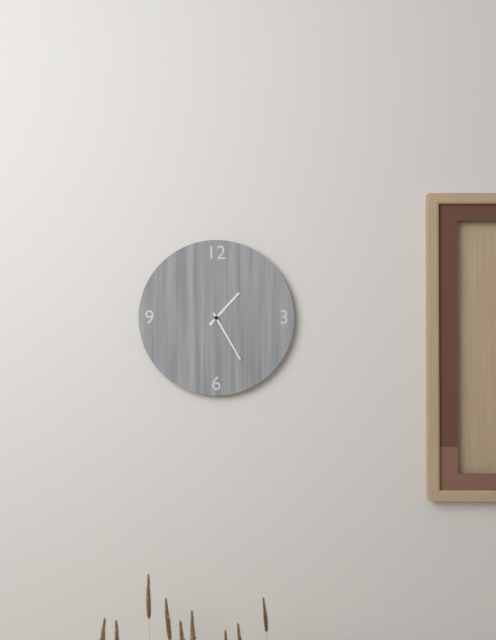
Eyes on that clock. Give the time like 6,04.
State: 1,25
